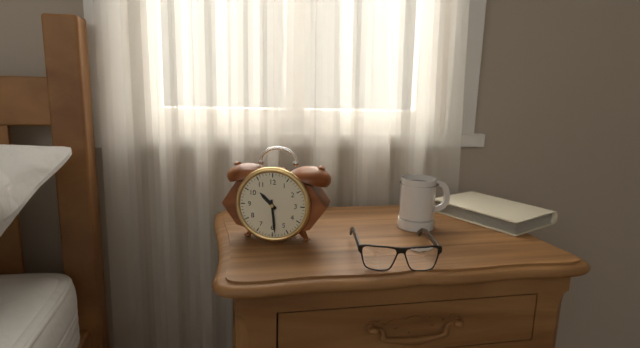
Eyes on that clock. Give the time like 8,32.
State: 10,29
